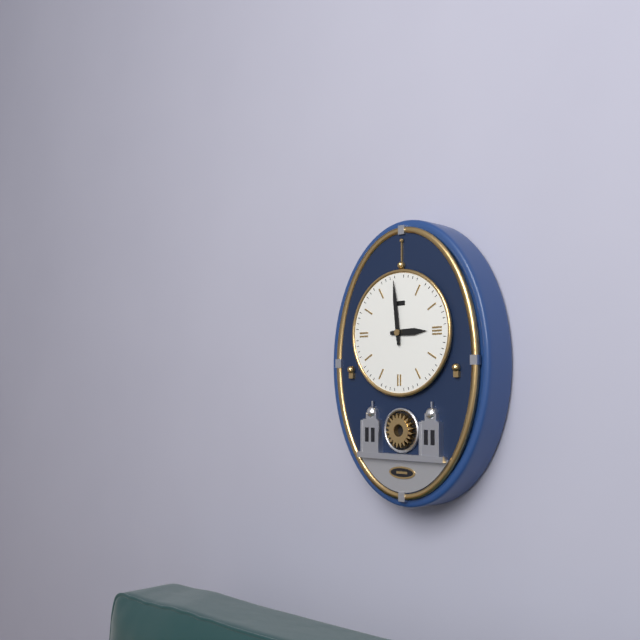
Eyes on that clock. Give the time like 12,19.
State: 2,59
